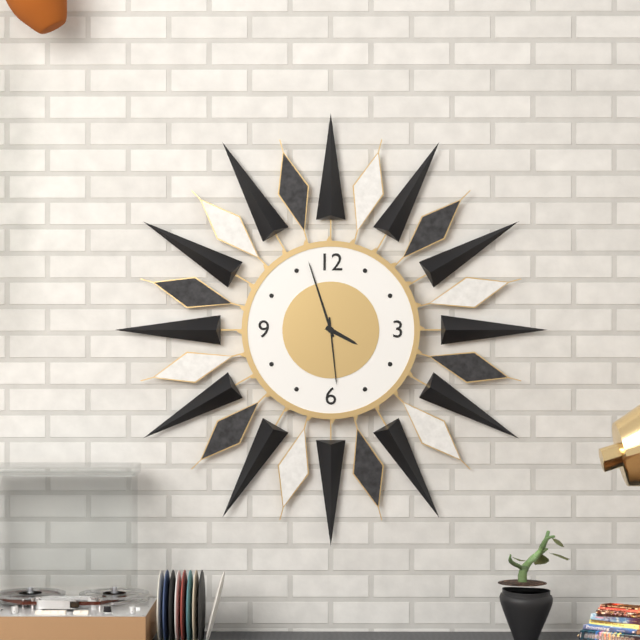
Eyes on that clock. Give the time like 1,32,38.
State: 3,57,29
